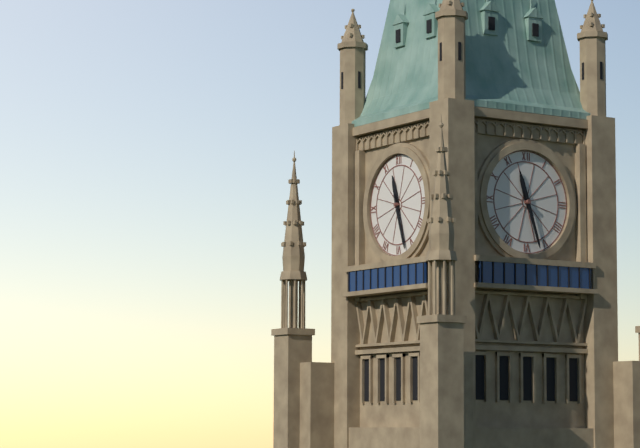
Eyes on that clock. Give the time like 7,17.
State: 11,27
